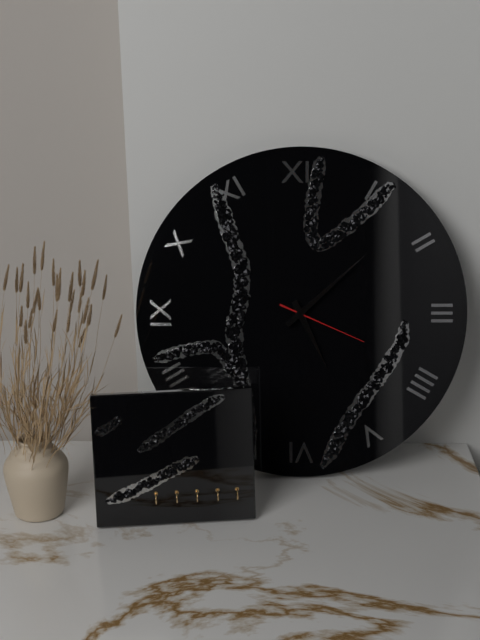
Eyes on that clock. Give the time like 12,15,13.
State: 5,08,19
